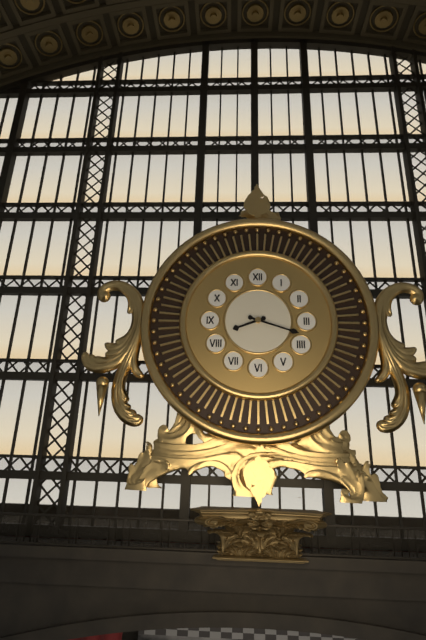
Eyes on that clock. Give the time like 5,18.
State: 8,18
